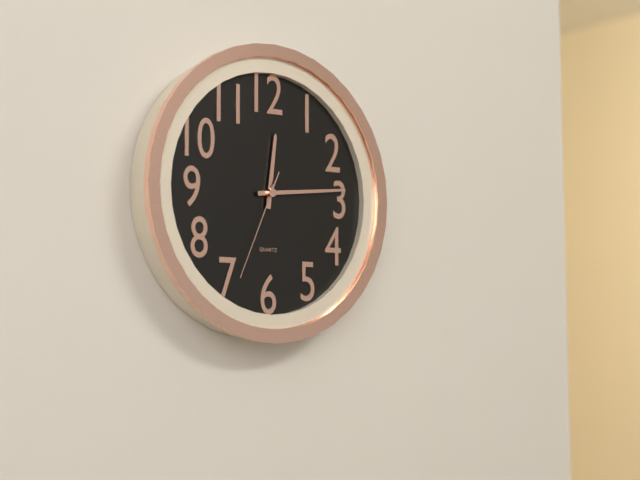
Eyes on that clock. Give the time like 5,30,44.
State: 12,14,34
